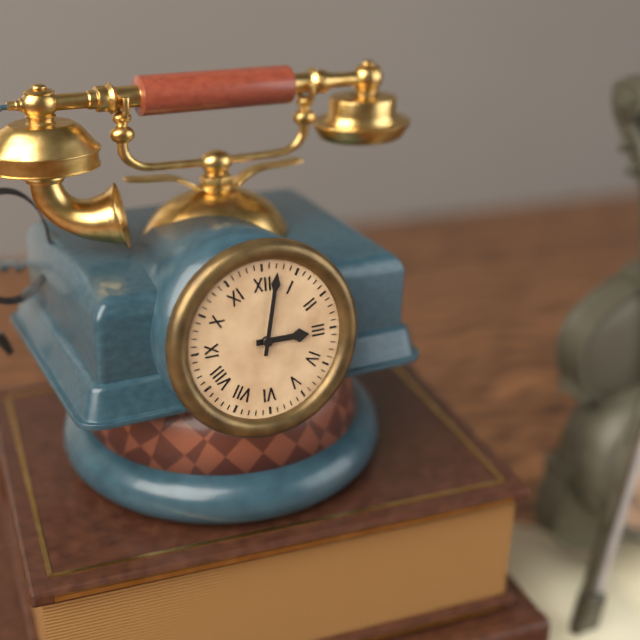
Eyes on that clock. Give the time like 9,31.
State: 3,02
